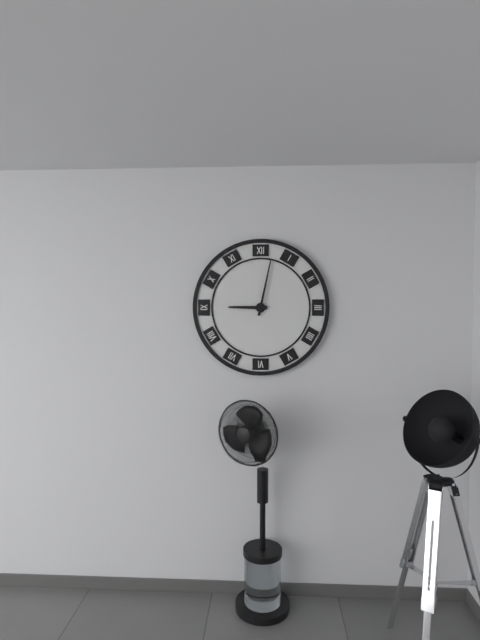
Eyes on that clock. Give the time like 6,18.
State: 9,02
